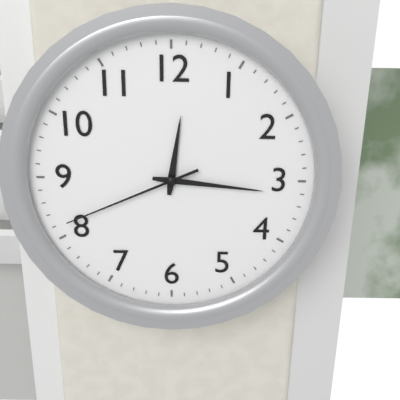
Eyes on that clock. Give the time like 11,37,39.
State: 12,16,41
